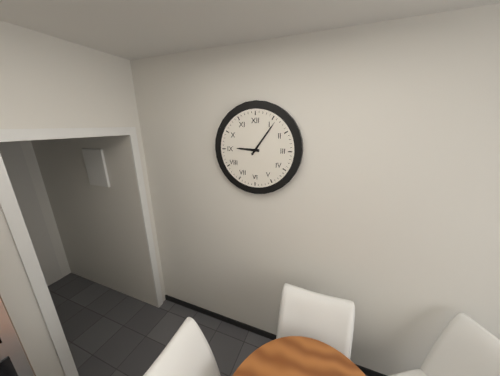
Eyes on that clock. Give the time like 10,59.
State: 9,06
